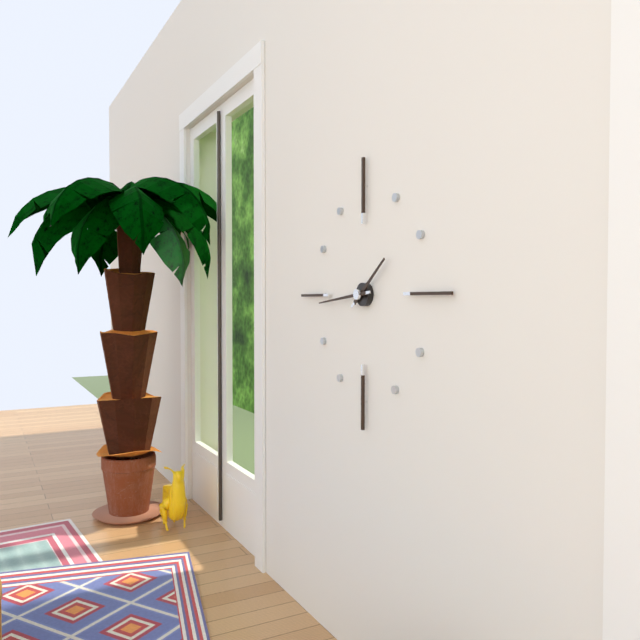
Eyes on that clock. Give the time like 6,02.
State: 1,44
